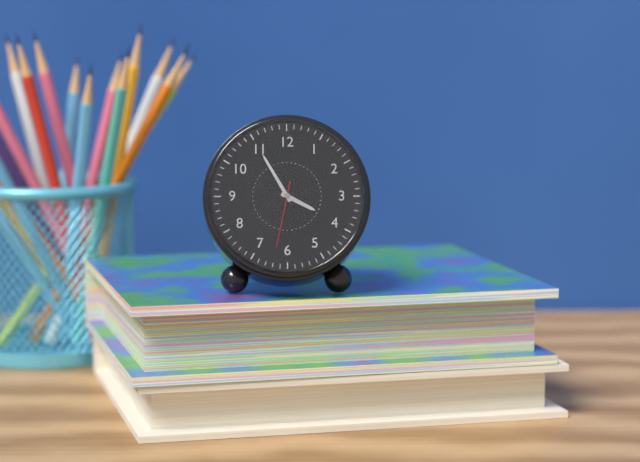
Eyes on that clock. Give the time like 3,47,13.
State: 3,55,32
